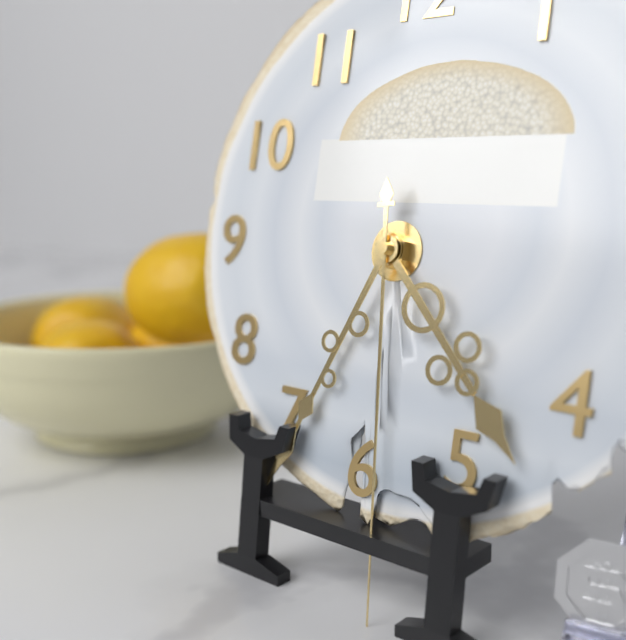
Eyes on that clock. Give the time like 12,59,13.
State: 4,34,29
